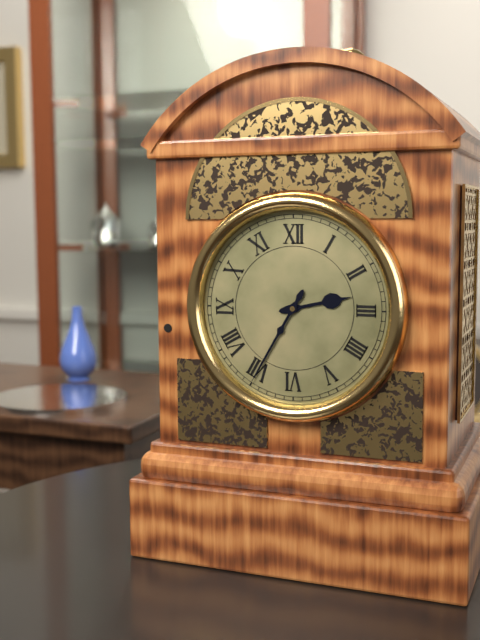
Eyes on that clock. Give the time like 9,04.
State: 2,35
